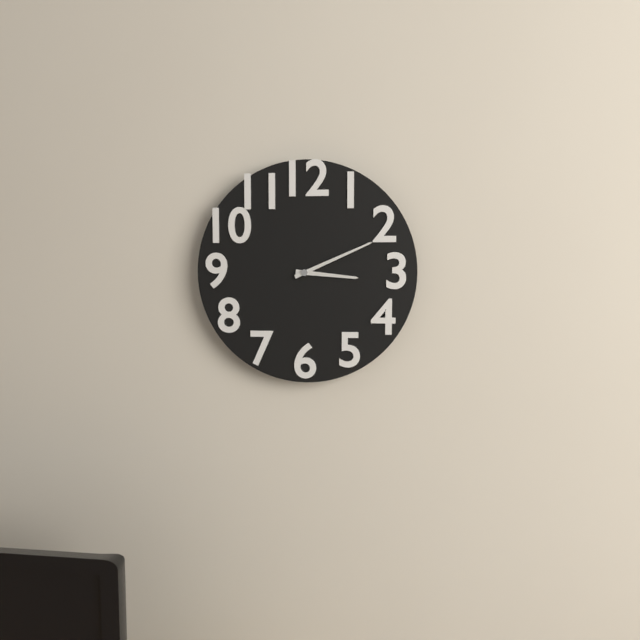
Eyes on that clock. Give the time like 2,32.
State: 3,11
